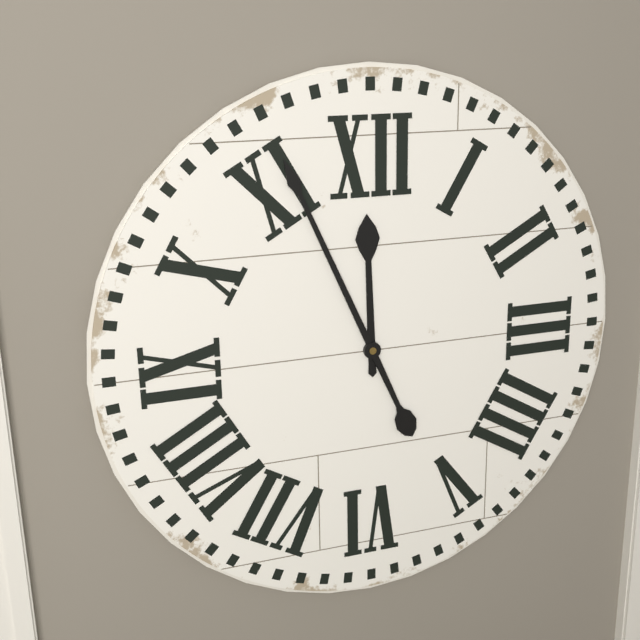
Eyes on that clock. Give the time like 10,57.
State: 11,56
